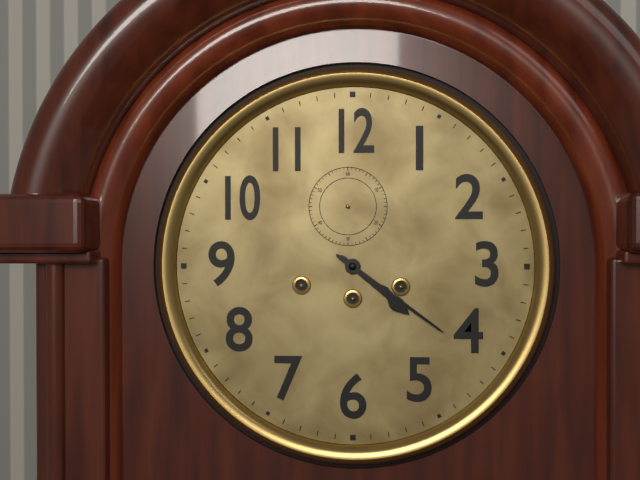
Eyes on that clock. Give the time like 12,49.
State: 4,21
